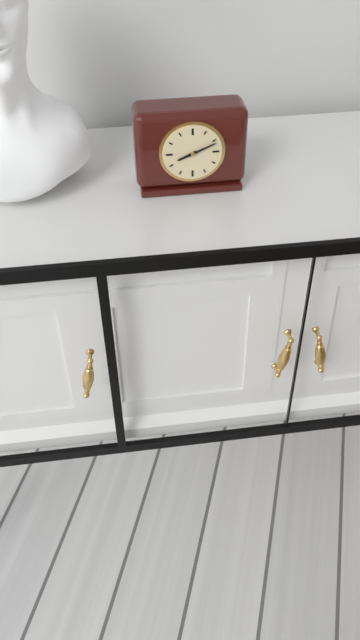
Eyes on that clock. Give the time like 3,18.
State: 8,11
